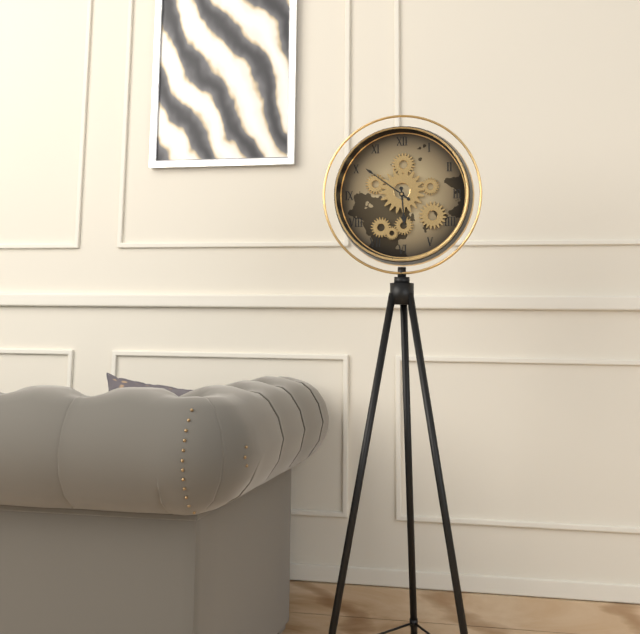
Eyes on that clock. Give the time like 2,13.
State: 5,51
